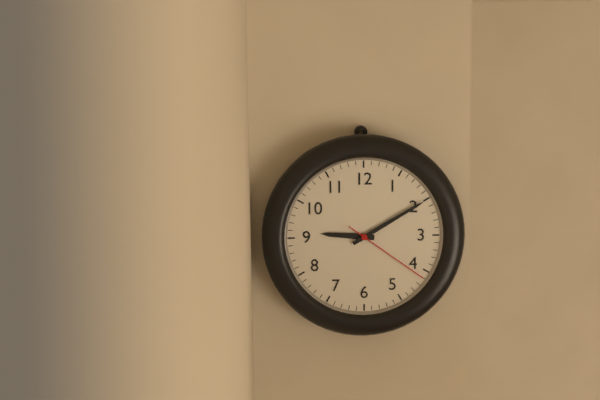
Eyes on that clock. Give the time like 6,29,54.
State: 9,10,21
